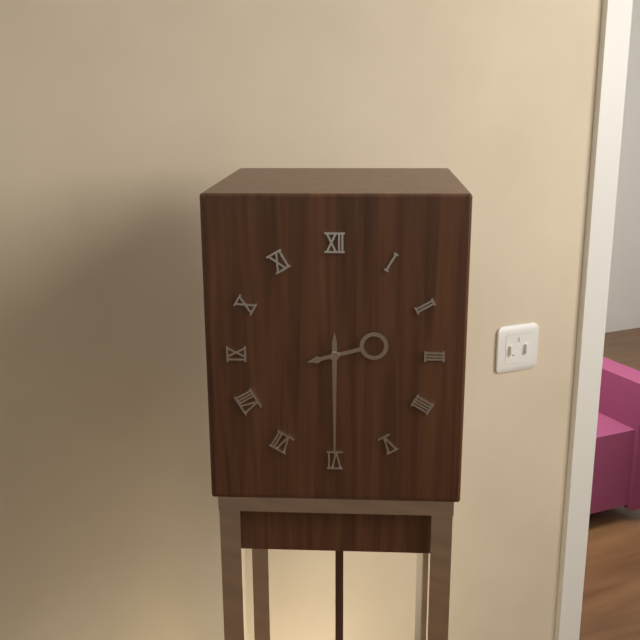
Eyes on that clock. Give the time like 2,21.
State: 2,30
